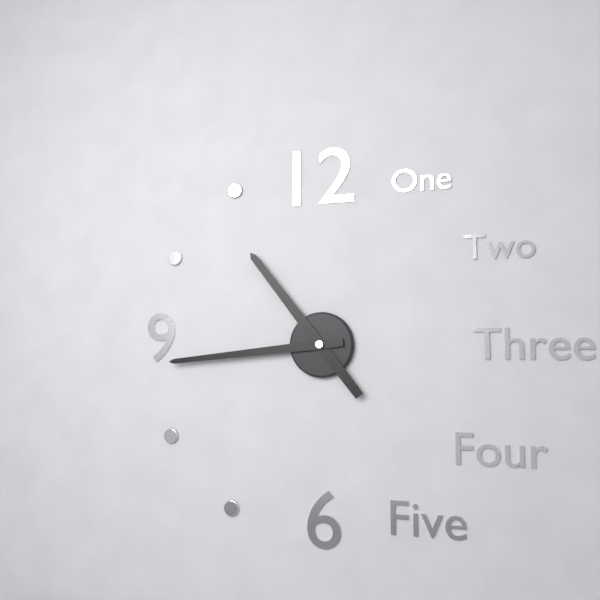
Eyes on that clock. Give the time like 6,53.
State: 10,44
